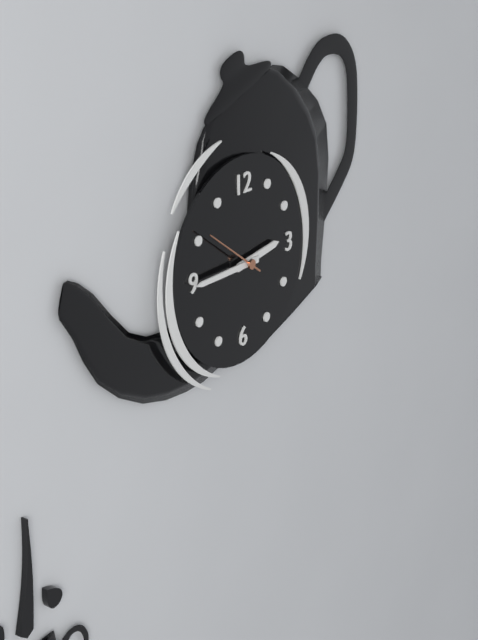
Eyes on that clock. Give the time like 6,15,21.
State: 2,45,51
